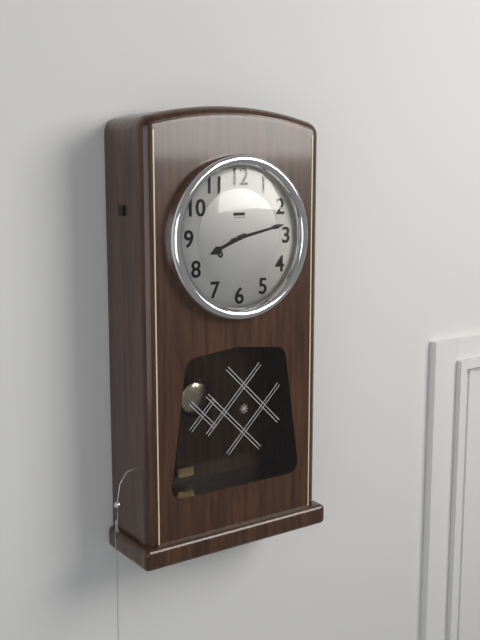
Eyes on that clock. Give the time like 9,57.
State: 8,13
